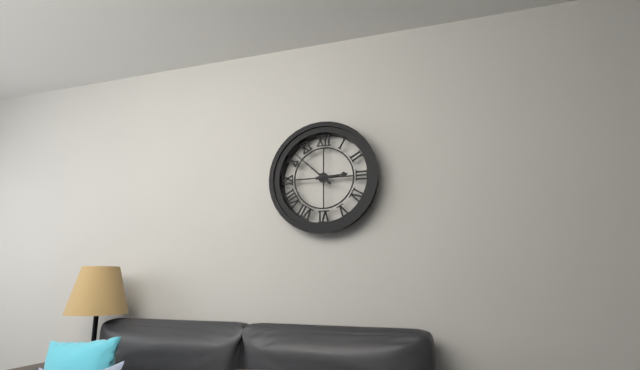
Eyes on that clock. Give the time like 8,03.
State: 2,52
